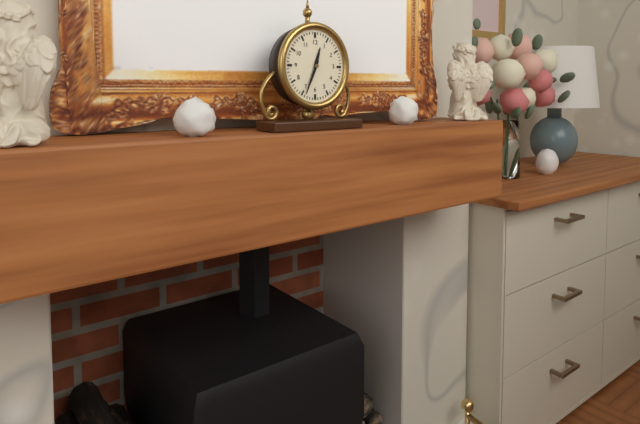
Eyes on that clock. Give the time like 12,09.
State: 12,34
